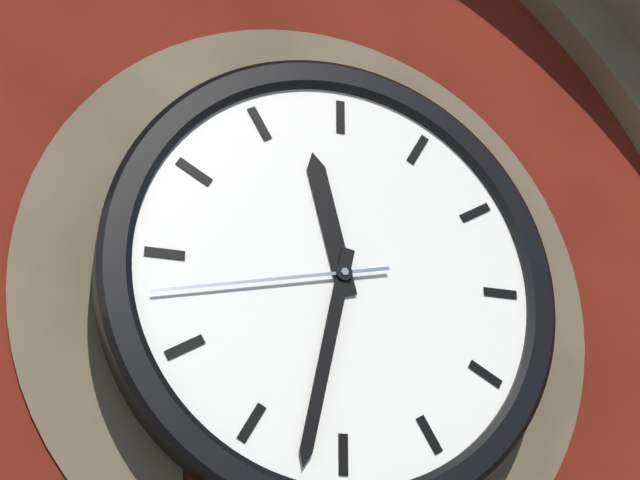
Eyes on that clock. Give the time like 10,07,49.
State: 11,32,43
